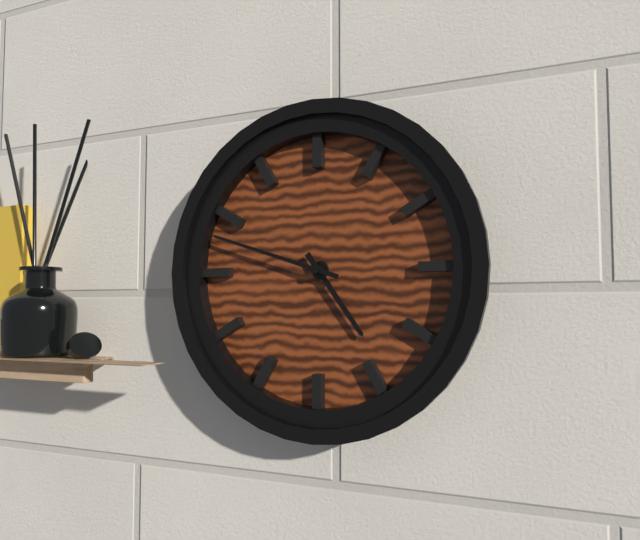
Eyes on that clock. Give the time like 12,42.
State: 4,48
